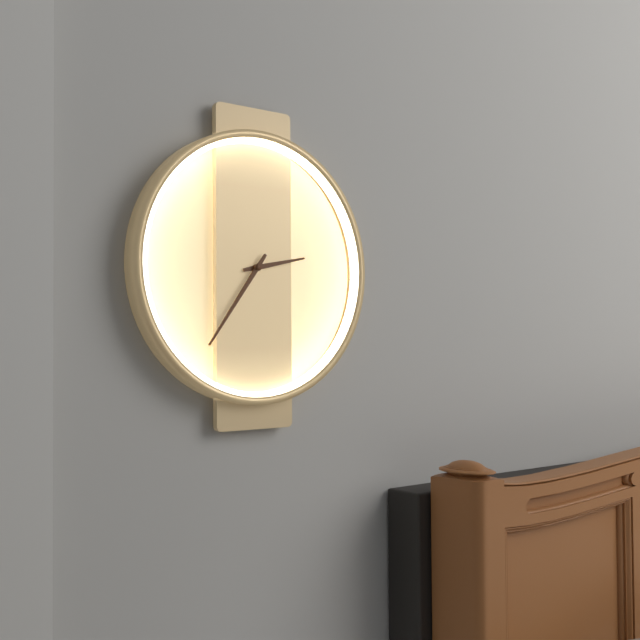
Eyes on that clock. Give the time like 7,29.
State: 2,36
